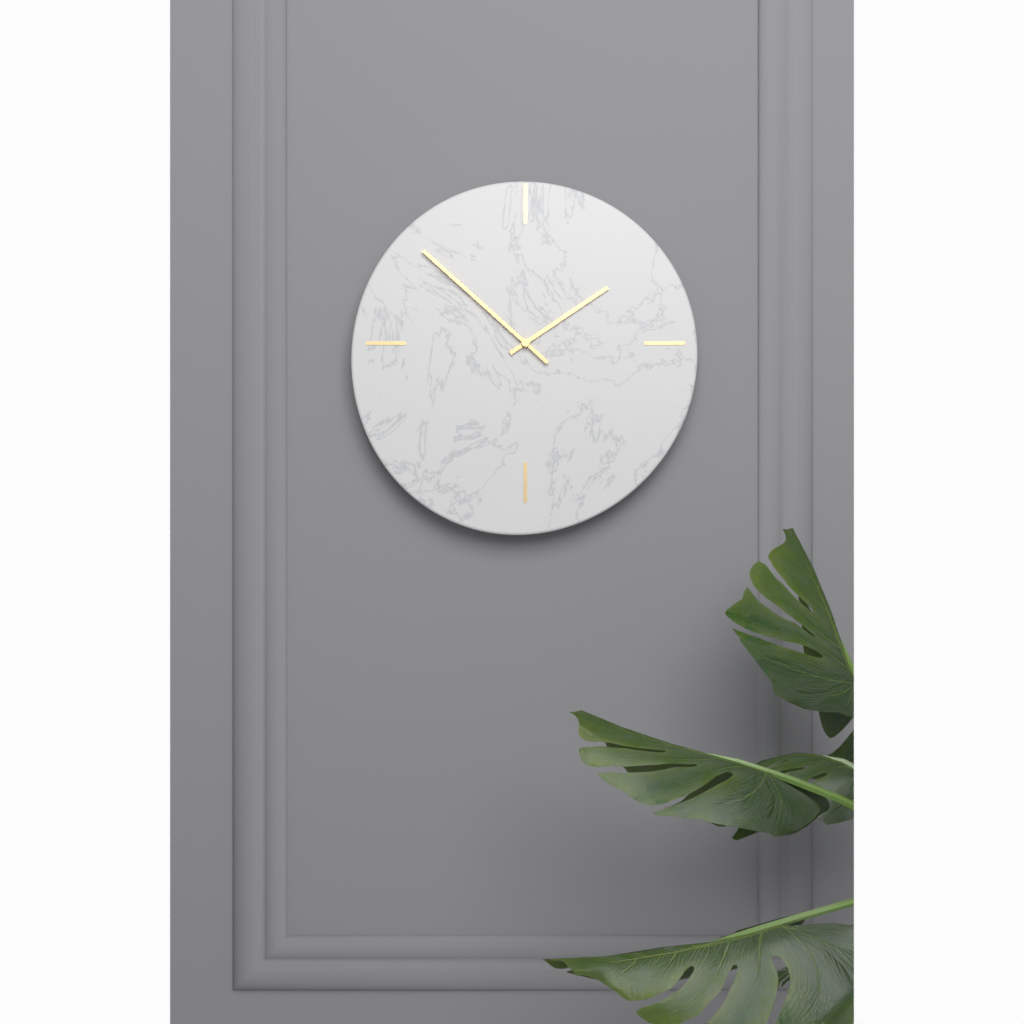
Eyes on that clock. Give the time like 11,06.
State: 1,52
